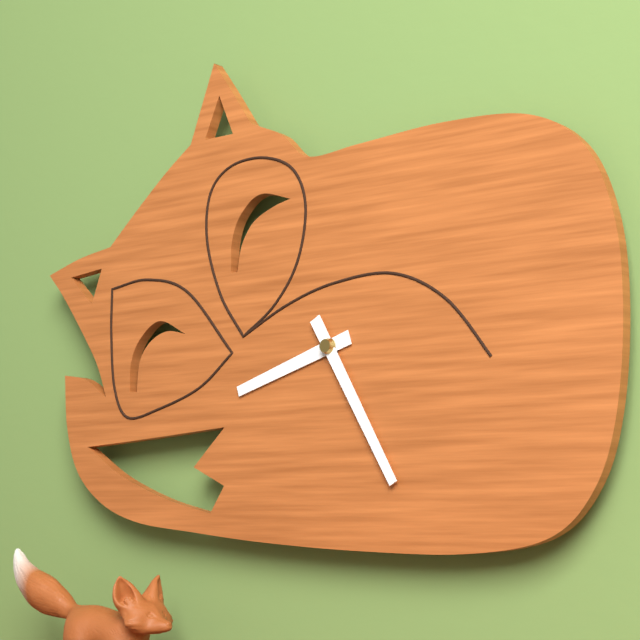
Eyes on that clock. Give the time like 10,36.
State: 8,25
